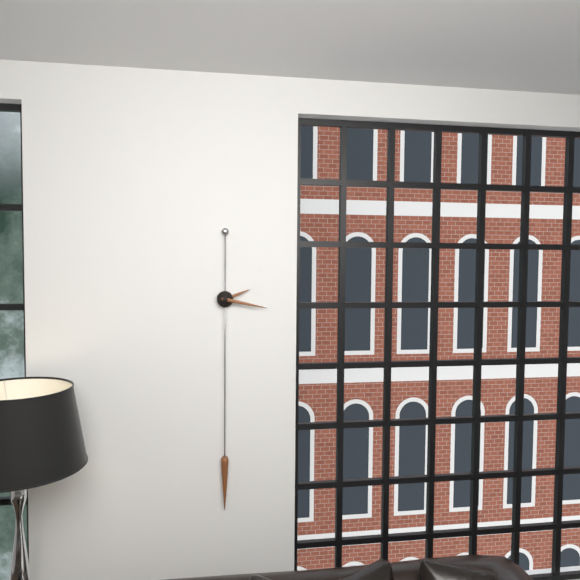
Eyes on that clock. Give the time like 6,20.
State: 2,17
